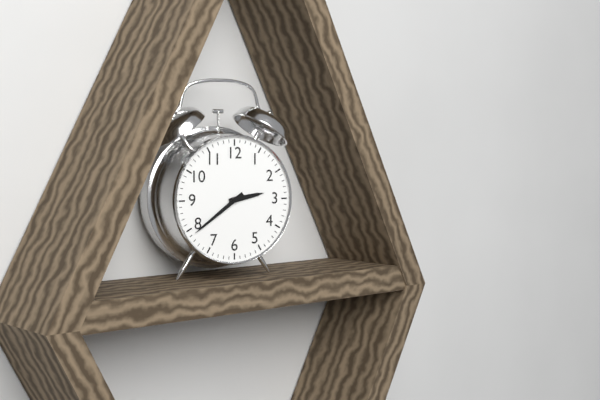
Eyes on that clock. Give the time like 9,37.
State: 2,39
